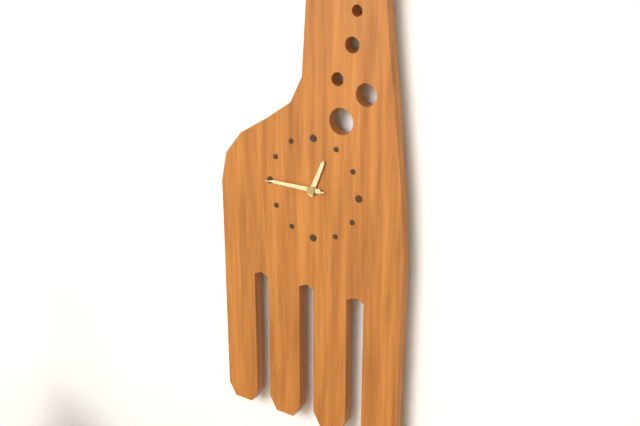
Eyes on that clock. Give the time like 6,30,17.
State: 12,45,45
